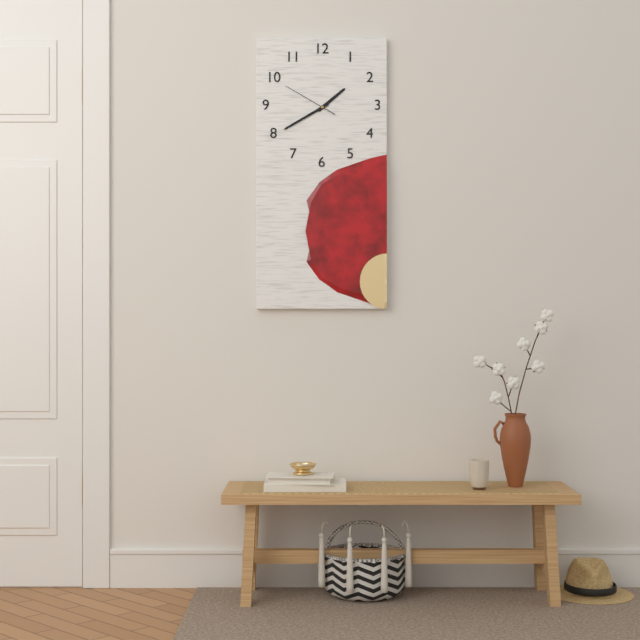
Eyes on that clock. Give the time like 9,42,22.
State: 1,40,50
